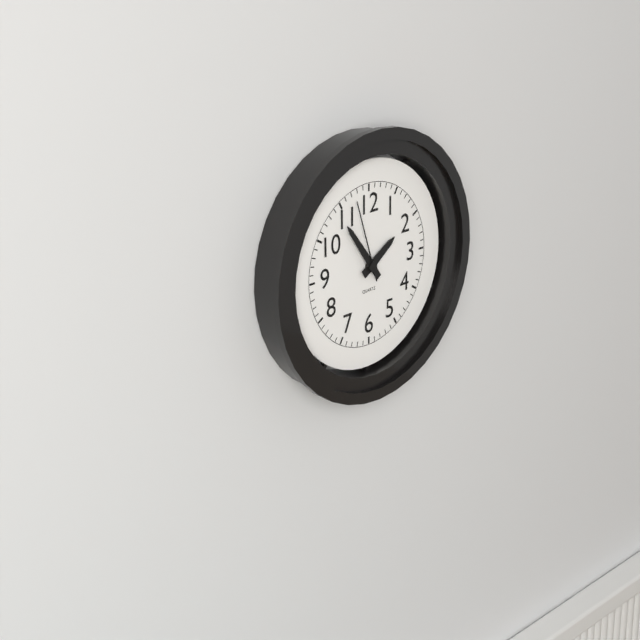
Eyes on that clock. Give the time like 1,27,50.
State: 1,54,57
